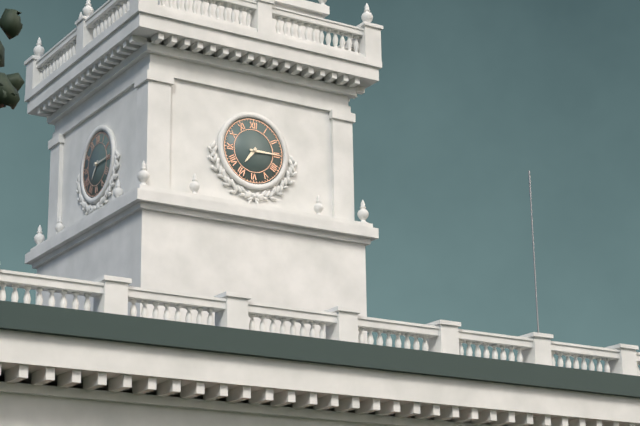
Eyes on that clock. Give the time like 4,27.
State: 7,15
